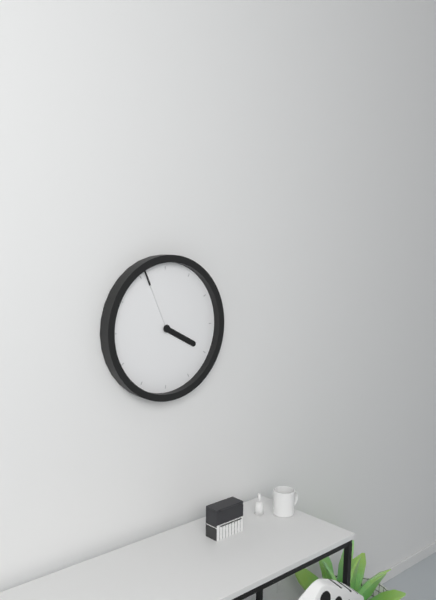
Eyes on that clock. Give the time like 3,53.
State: 3,56
